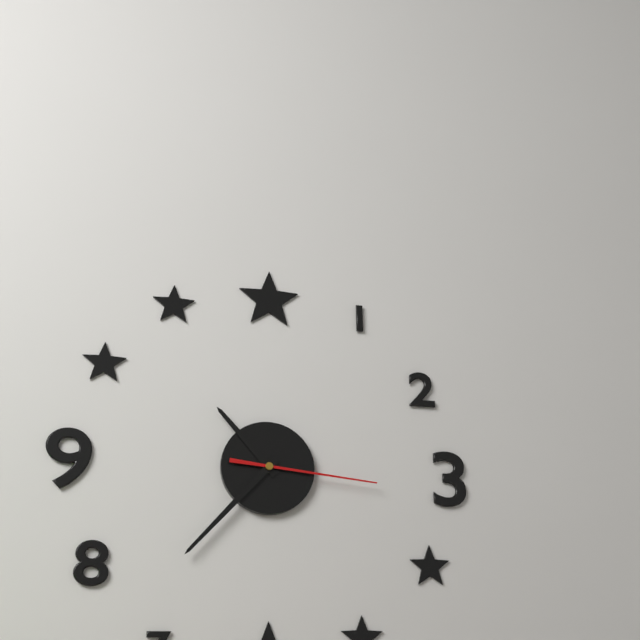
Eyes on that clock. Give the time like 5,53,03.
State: 10,37,16
